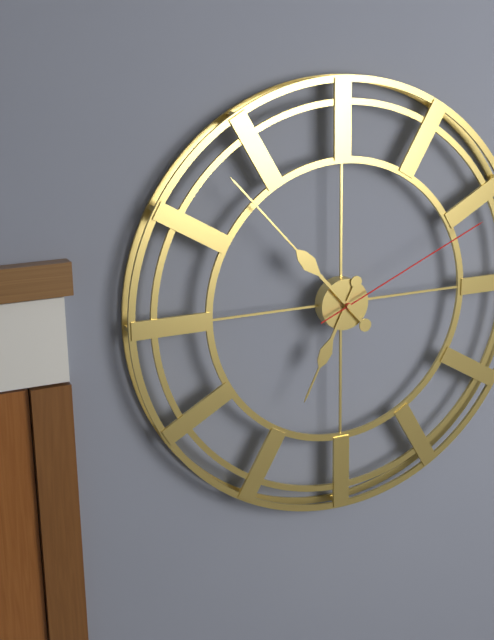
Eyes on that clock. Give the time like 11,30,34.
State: 6,53,11
